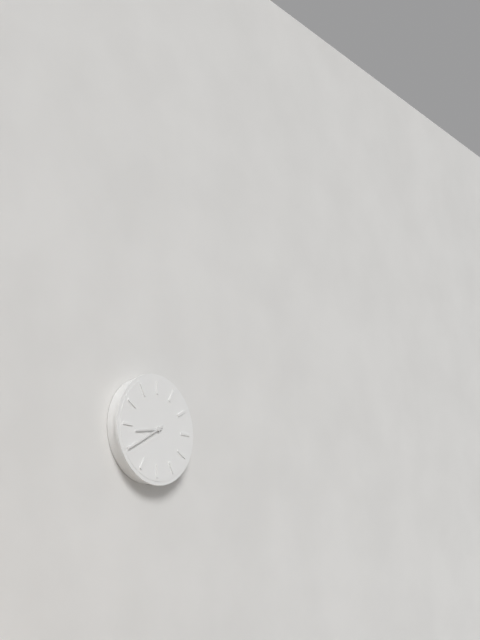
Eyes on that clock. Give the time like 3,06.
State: 8,40
